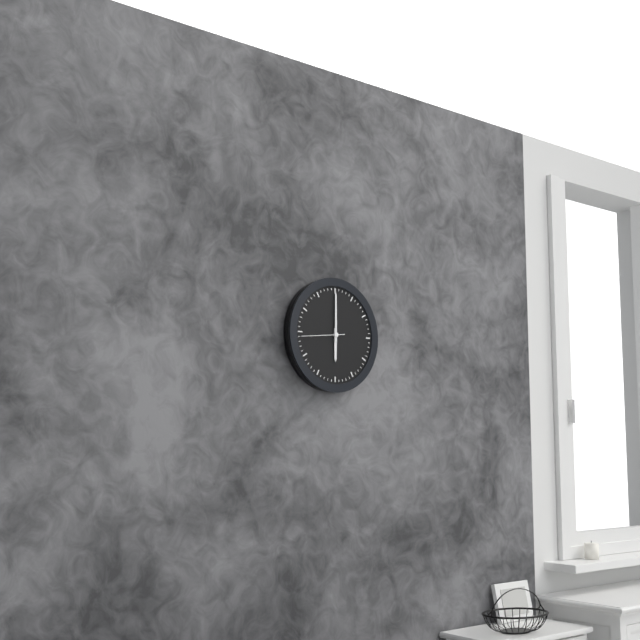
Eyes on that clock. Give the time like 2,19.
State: 6,00
